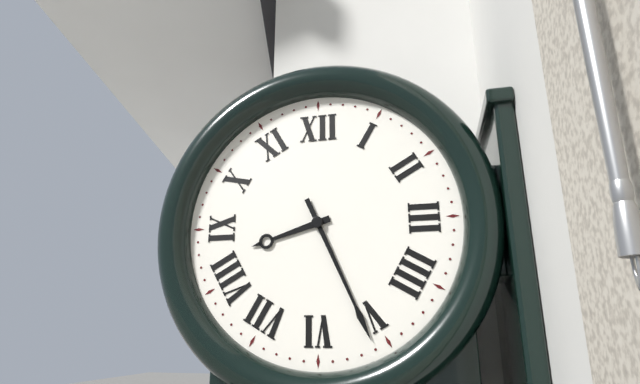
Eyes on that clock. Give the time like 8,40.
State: 8,26
